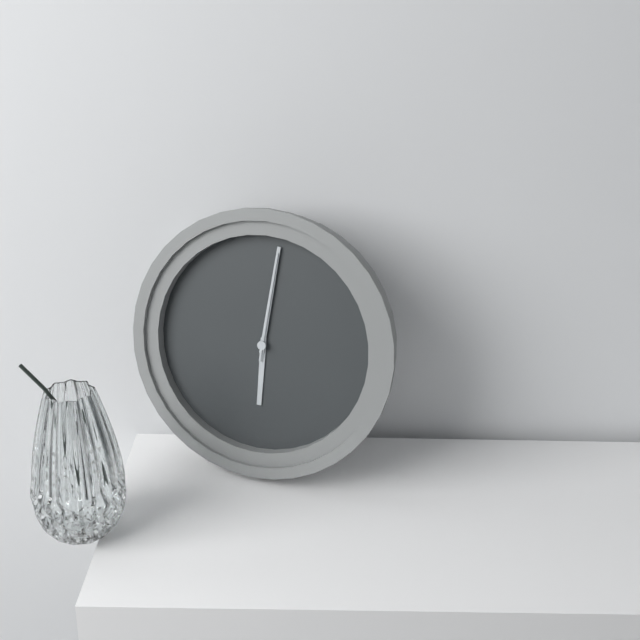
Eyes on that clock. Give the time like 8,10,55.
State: 6,01,01
